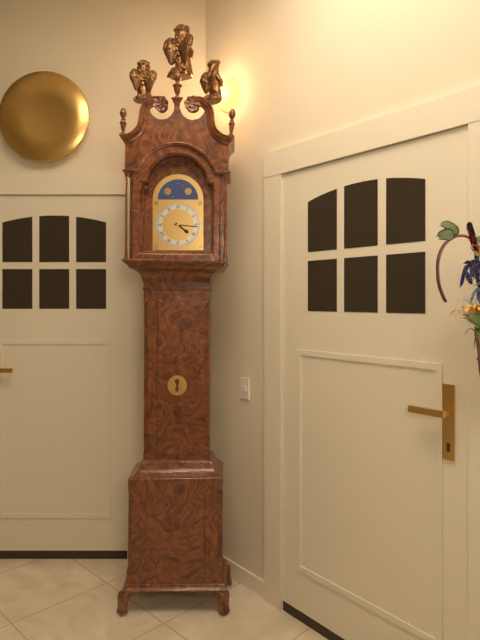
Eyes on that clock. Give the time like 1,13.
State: 4,16
